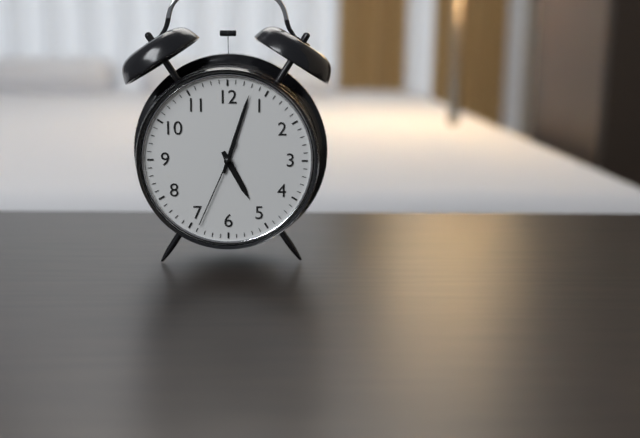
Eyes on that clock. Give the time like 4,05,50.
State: 5,03,34
